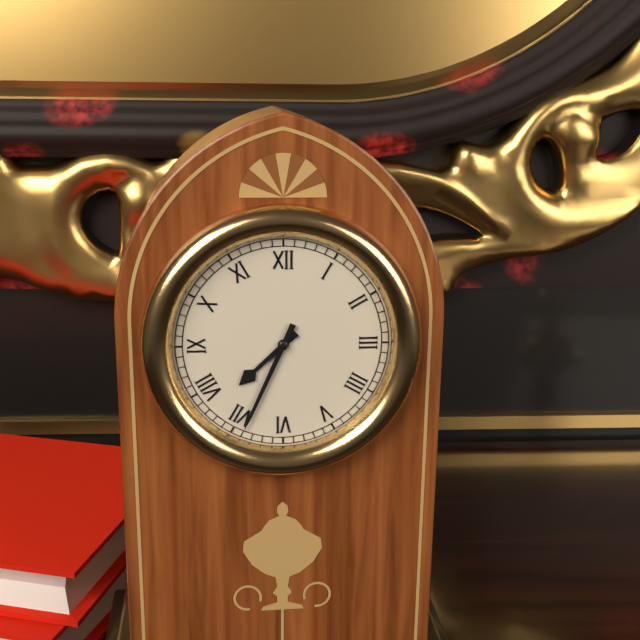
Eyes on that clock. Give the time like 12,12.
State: 7,34
